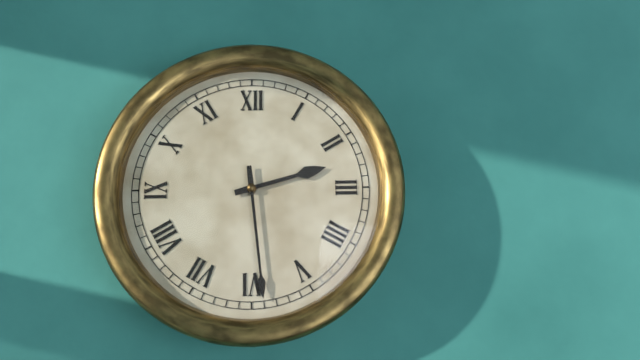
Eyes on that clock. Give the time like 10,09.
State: 2,29
